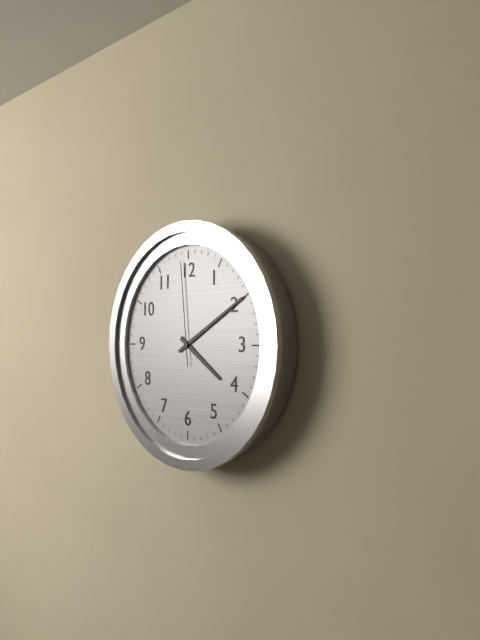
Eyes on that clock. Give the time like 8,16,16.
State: 4,10,59
